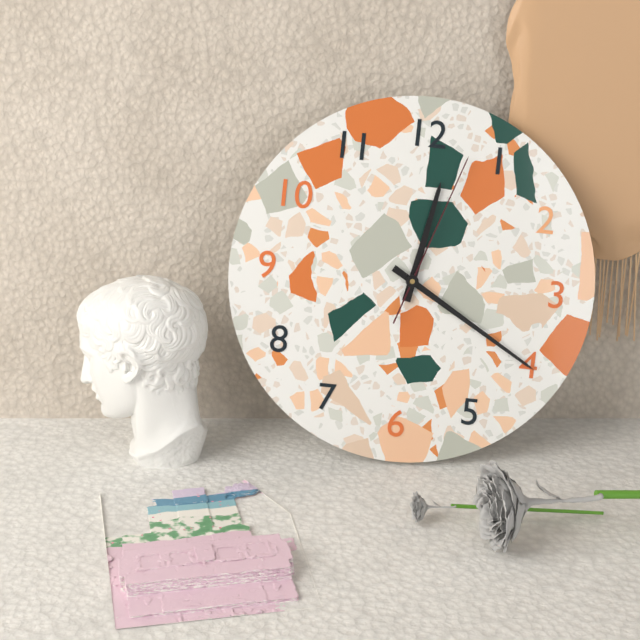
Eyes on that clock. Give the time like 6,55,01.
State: 12,20,03
